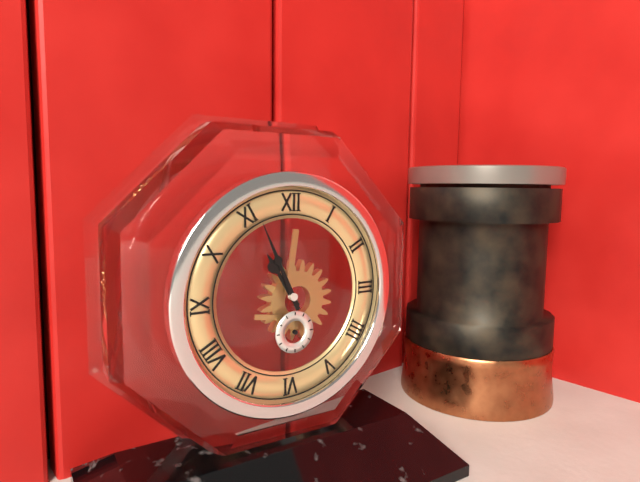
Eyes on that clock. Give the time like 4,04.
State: 10,56
